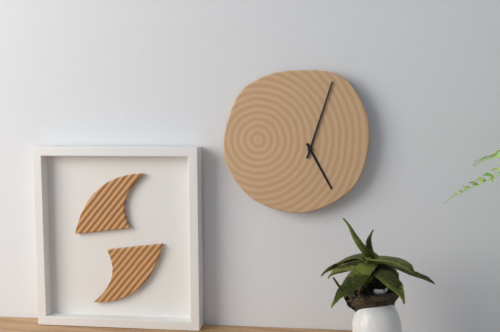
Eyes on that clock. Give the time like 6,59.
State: 5,03
